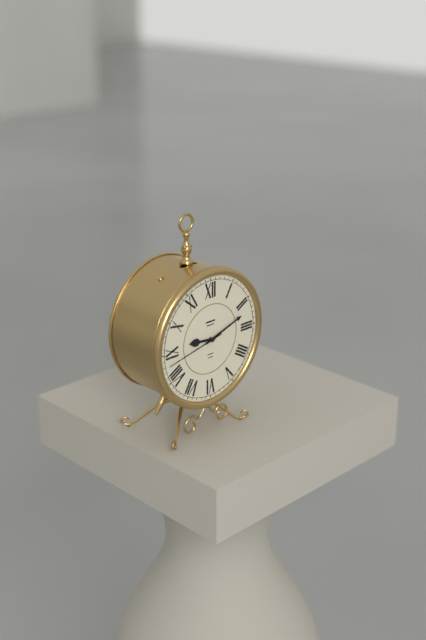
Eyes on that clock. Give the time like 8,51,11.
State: 9,12,43
